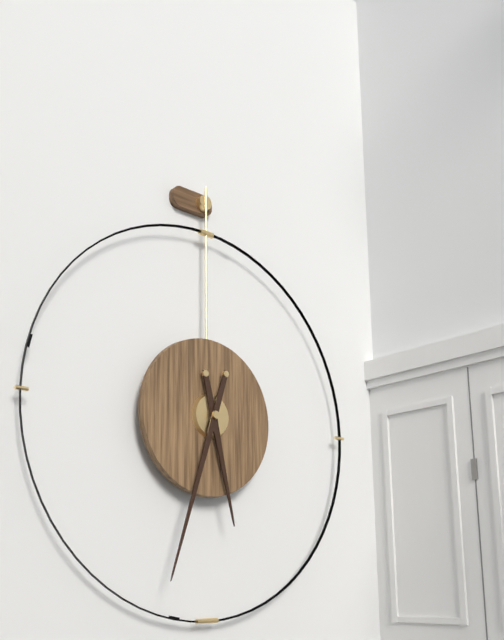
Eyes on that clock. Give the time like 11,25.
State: 5,33
